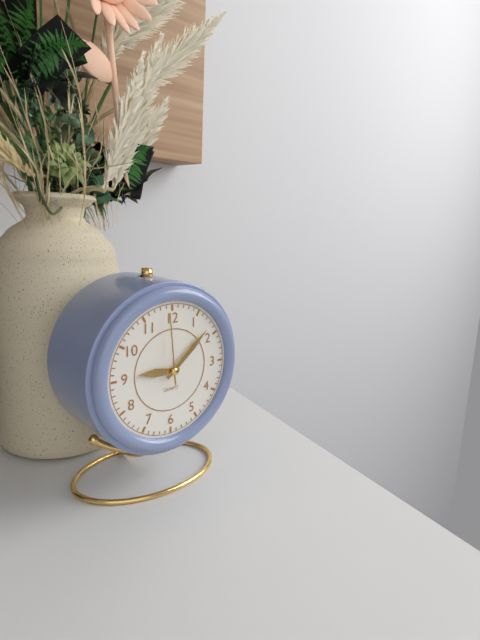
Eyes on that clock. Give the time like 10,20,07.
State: 9,08,59
